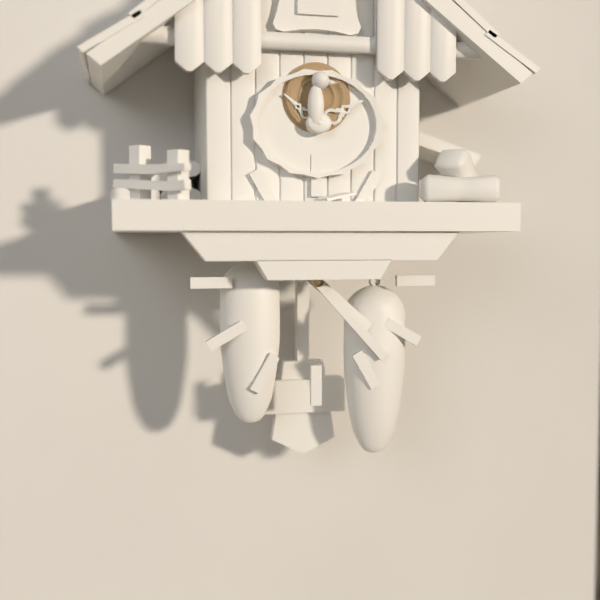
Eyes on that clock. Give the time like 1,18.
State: 4,23
